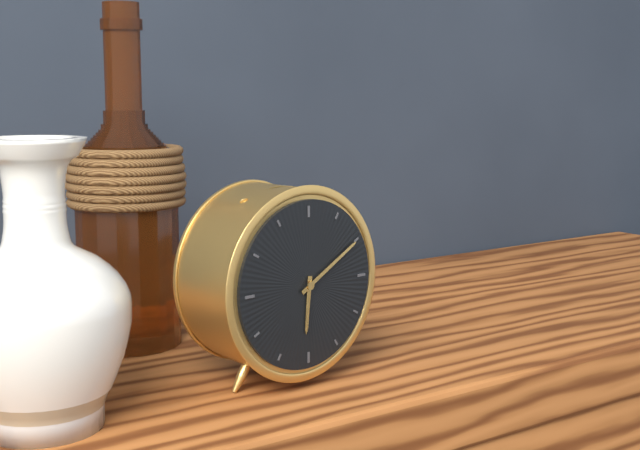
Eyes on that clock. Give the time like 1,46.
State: 6,10
